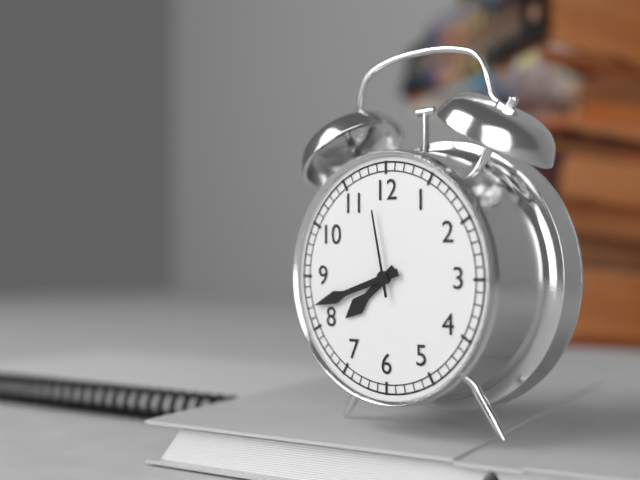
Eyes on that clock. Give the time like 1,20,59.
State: 7,42,58
